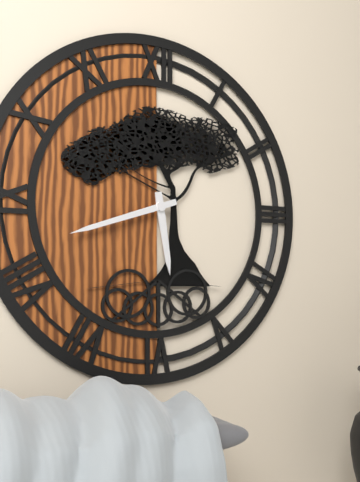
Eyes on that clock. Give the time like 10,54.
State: 5,42
